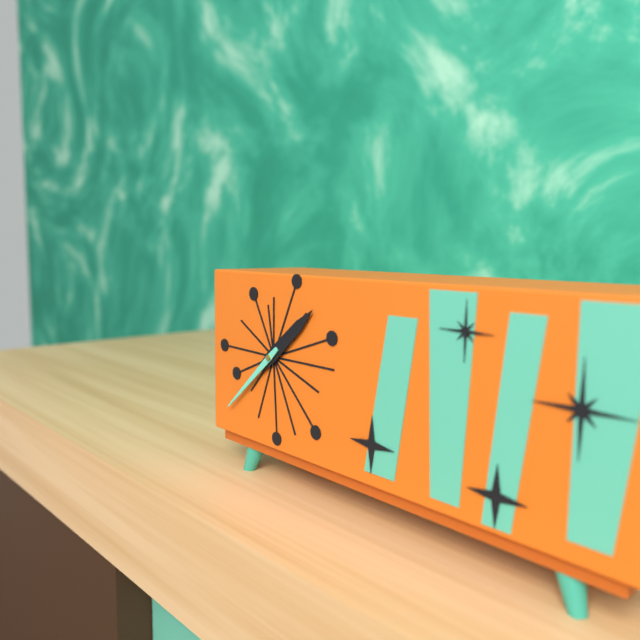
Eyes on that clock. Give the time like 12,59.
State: 1,38
